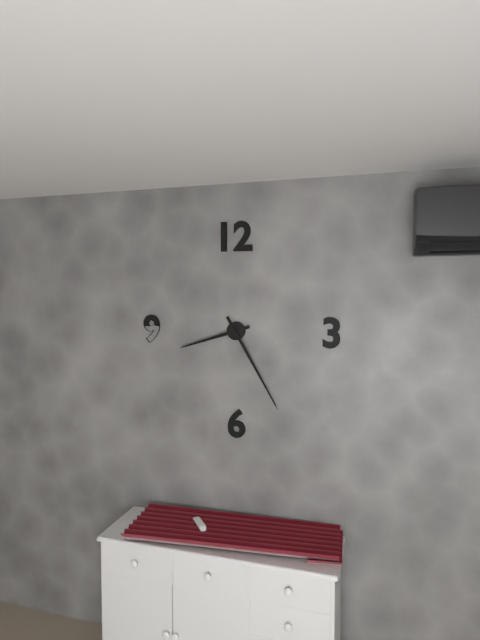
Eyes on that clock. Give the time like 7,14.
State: 8,25
